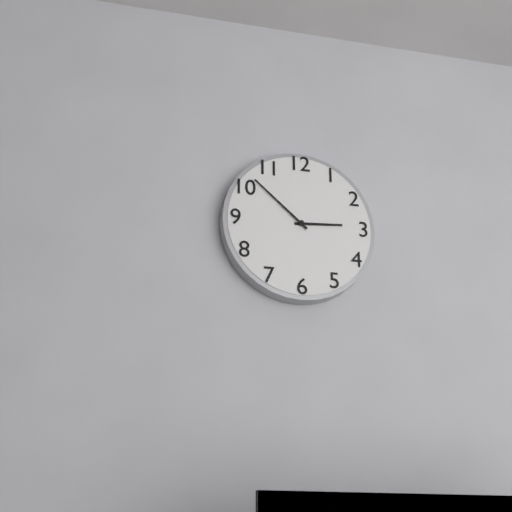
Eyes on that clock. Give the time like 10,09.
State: 2,52
